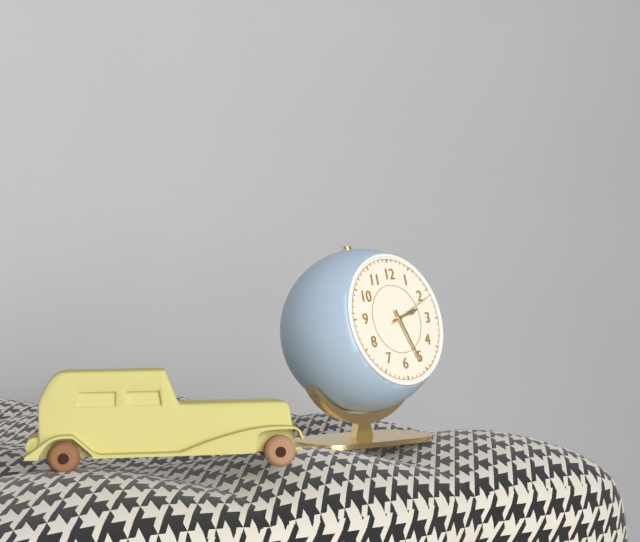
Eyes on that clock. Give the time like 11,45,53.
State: 2,26,11
